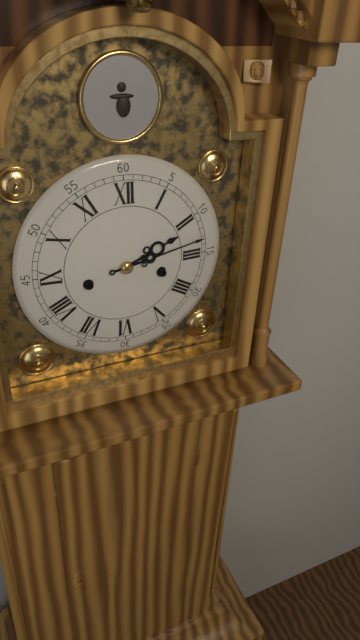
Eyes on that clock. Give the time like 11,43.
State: 2,13
